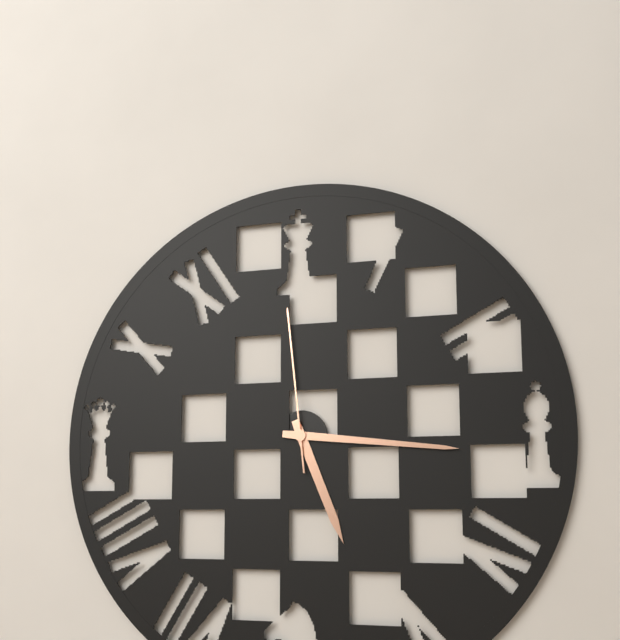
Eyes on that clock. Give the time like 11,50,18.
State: 5,16,59
